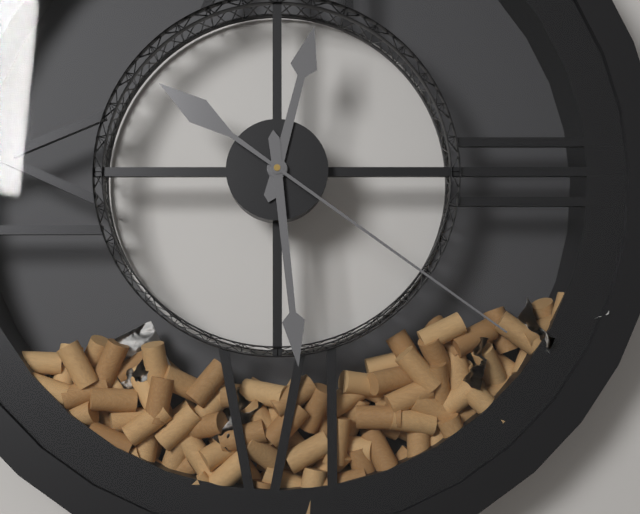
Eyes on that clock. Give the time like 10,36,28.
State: 12,29,21
